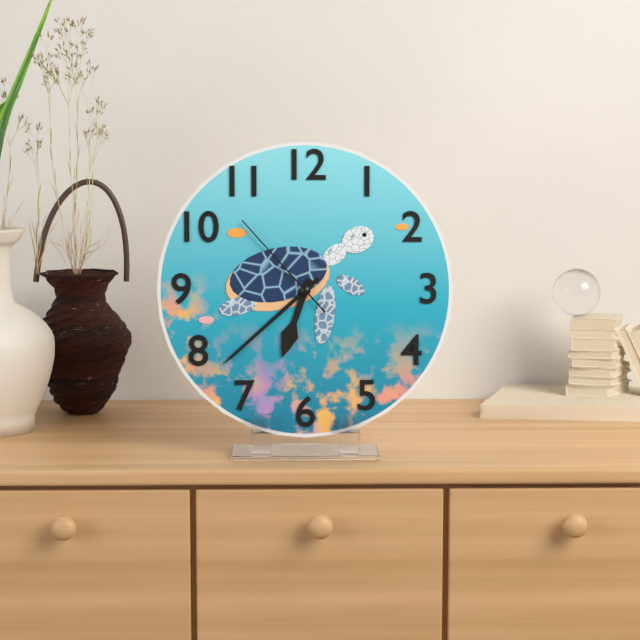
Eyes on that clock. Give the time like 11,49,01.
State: 6,38,53
